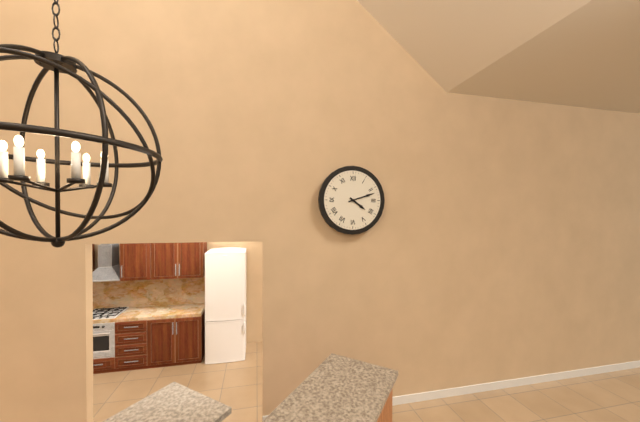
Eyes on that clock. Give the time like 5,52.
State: 4,12
